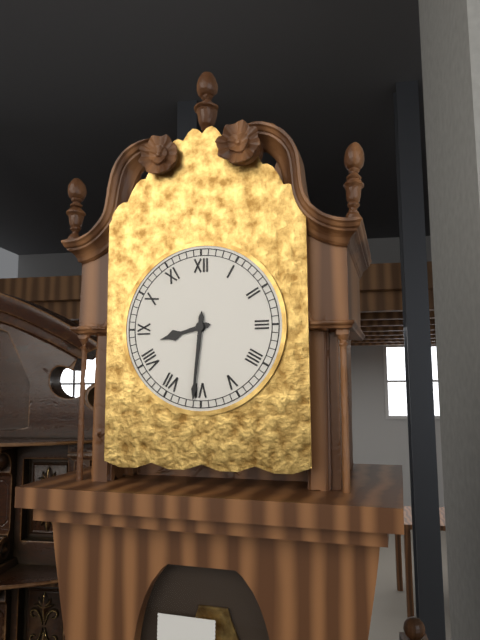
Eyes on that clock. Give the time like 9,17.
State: 8,31
